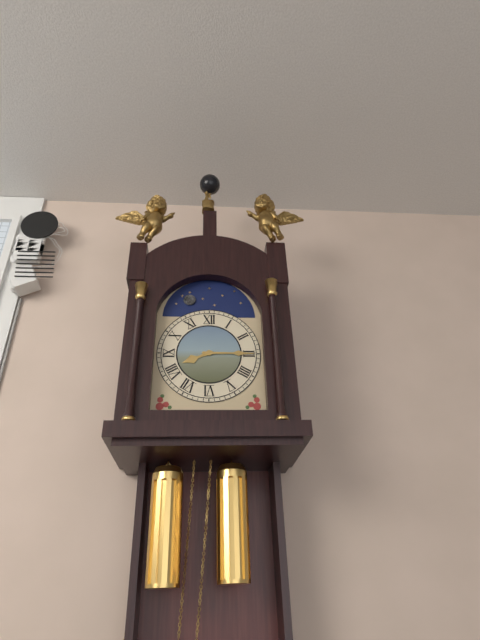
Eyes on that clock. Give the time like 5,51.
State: 8,15
